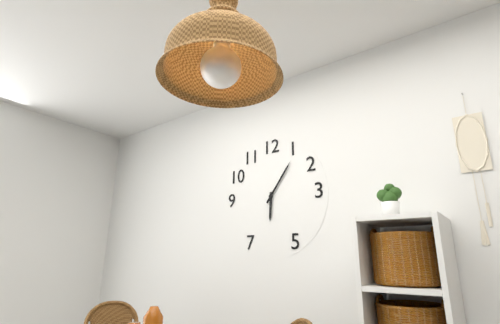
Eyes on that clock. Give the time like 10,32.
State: 6,06
